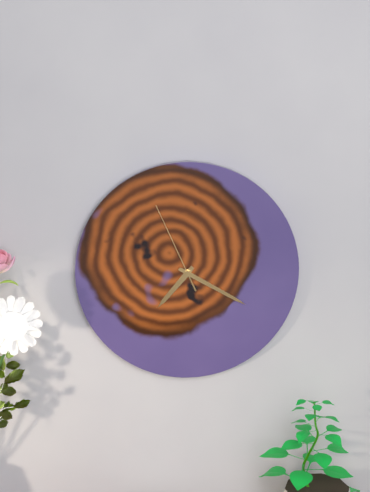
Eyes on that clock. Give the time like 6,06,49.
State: 7,20,56
